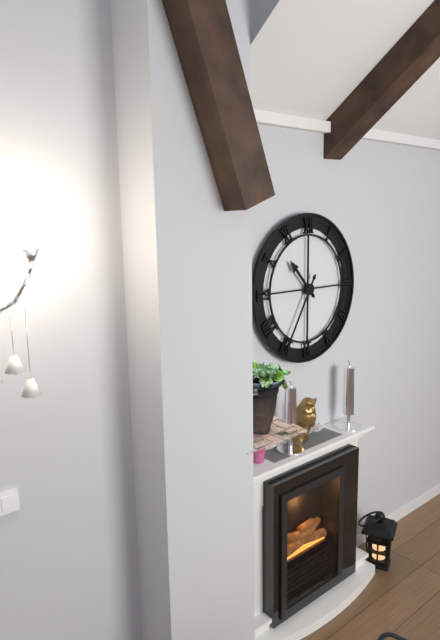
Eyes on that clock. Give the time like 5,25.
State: 10,35
